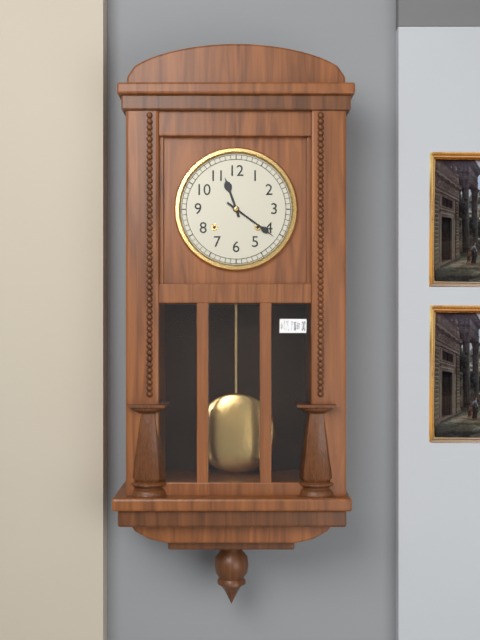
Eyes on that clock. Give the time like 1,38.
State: 11,21
